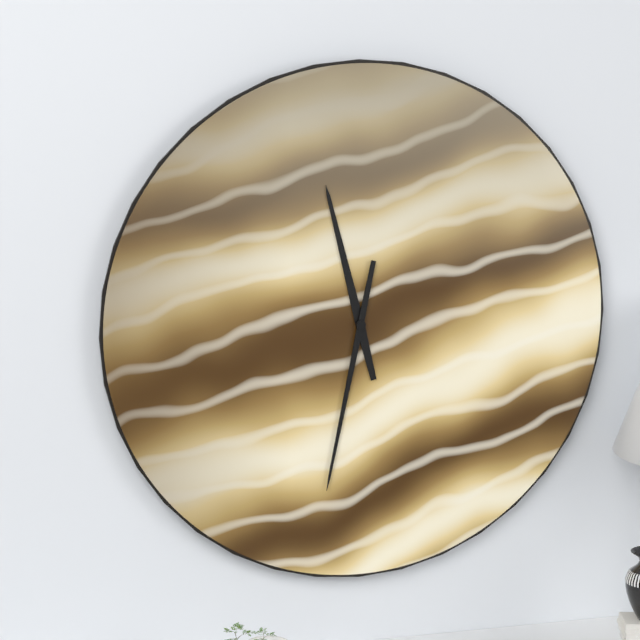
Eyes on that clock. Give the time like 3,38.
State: 11,32
